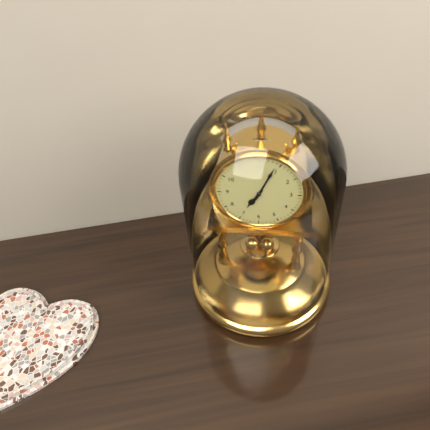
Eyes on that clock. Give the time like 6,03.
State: 7,04
